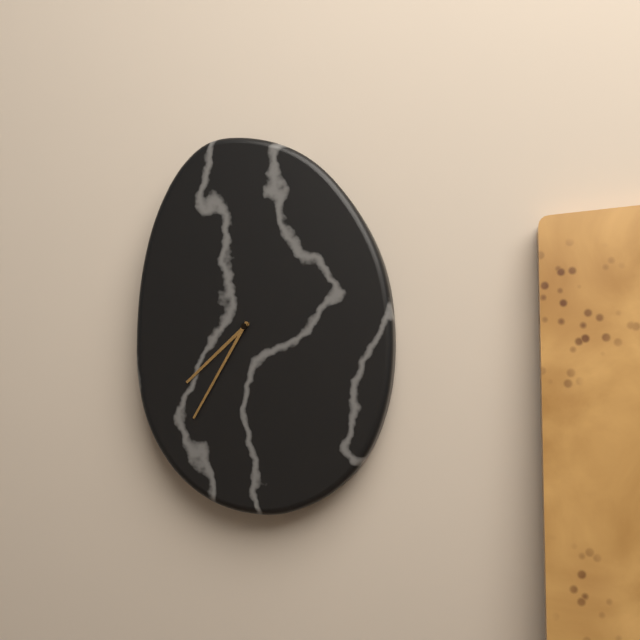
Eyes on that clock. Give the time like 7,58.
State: 7,35
